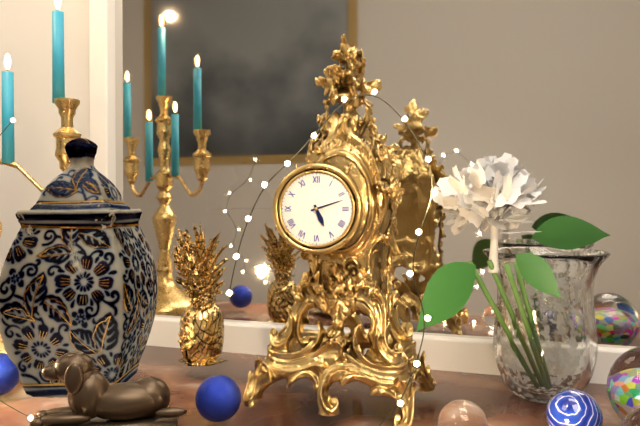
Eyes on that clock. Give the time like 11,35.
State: 5,12
